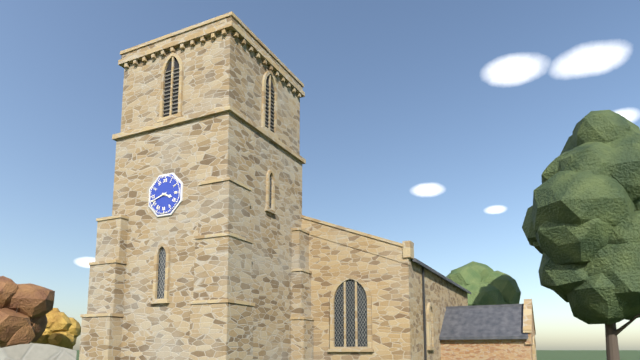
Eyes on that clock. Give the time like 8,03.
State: 3,42
